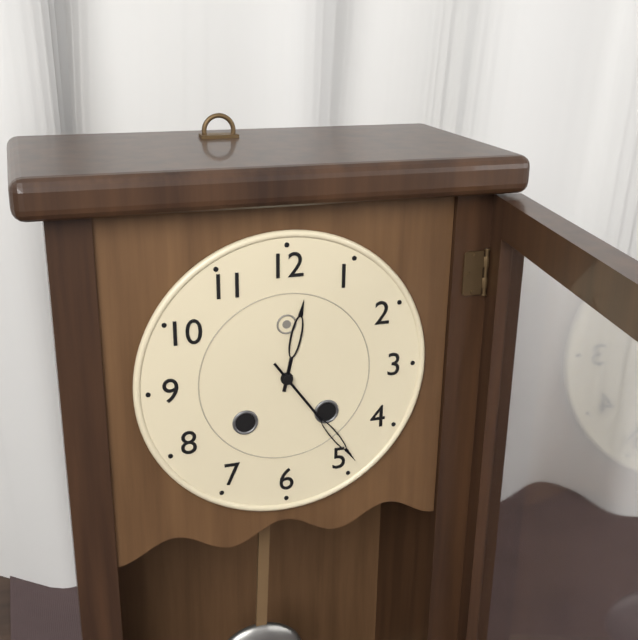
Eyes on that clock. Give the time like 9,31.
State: 12,24
